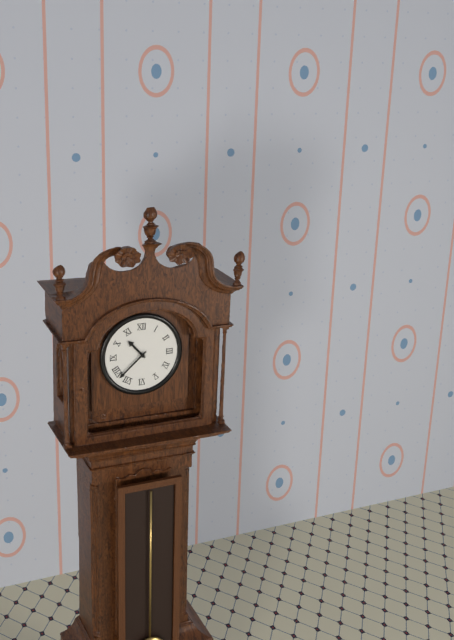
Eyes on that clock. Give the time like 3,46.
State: 10,38
